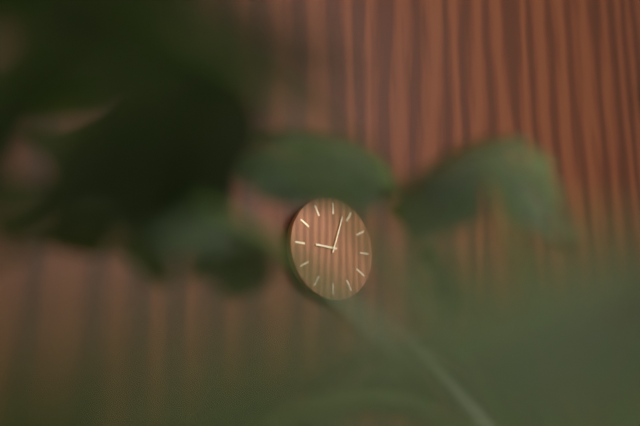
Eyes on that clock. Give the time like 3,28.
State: 9,03
